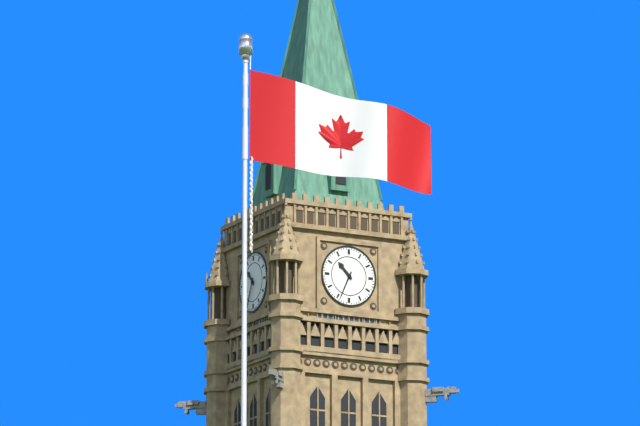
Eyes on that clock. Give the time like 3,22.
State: 10,34
